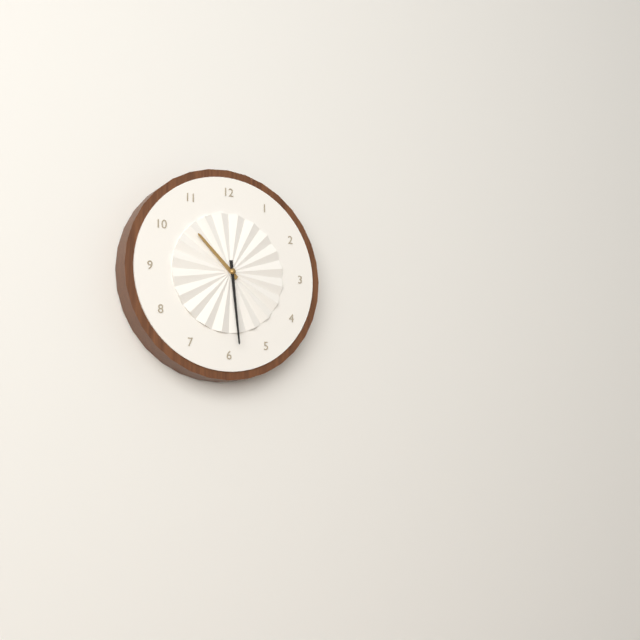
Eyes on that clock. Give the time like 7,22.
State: 10,29
